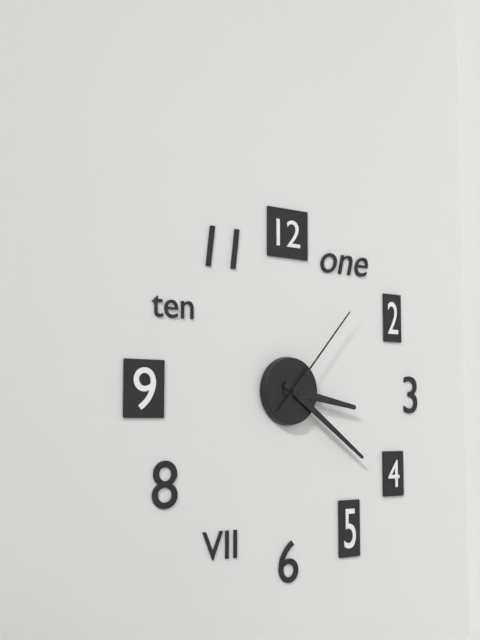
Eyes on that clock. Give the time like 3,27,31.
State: 3,21,07
